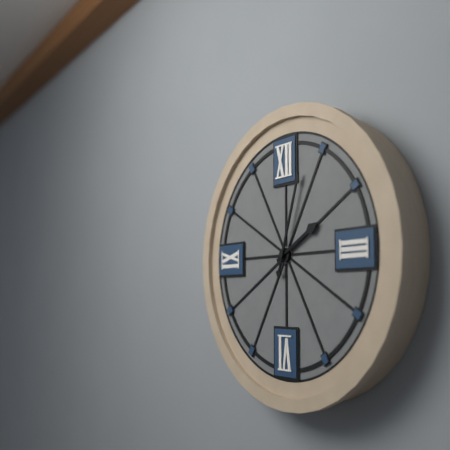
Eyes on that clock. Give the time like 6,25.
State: 2,03
